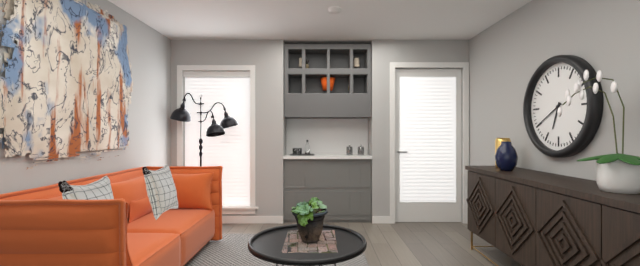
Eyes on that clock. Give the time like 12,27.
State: 6,40
